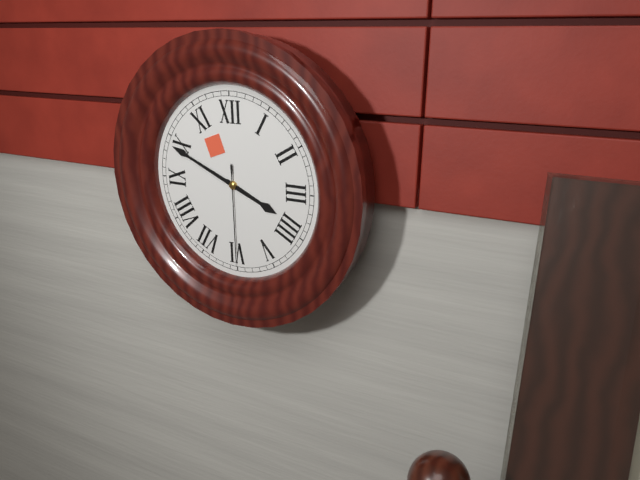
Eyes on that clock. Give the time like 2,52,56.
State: 3,49,30
